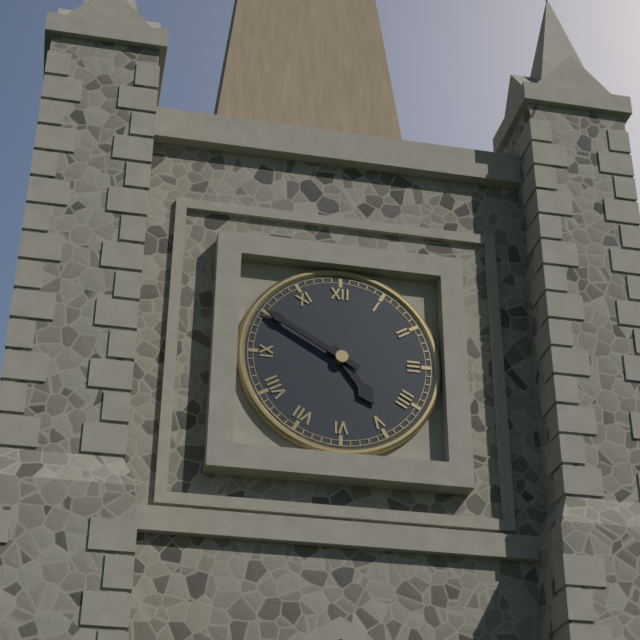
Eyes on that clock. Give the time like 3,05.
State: 4,50
